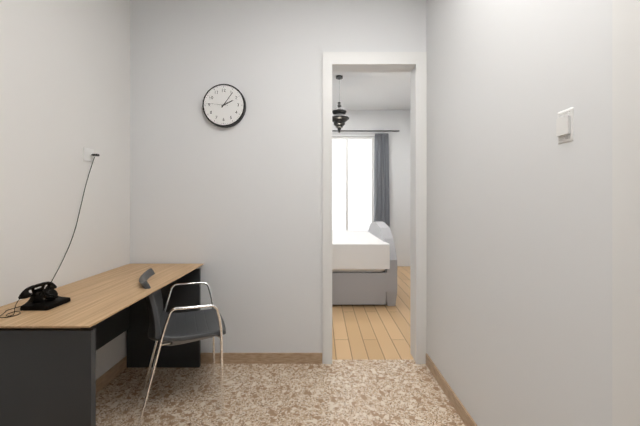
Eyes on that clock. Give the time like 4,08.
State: 2,06
